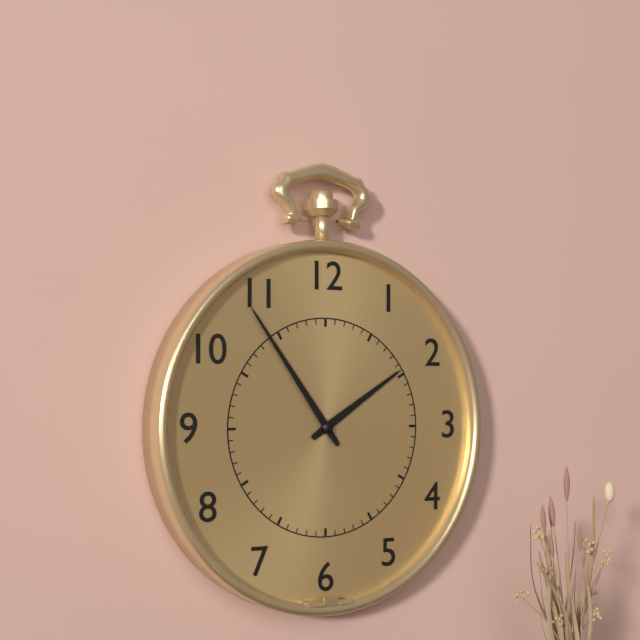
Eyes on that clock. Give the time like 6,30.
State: 1,54
